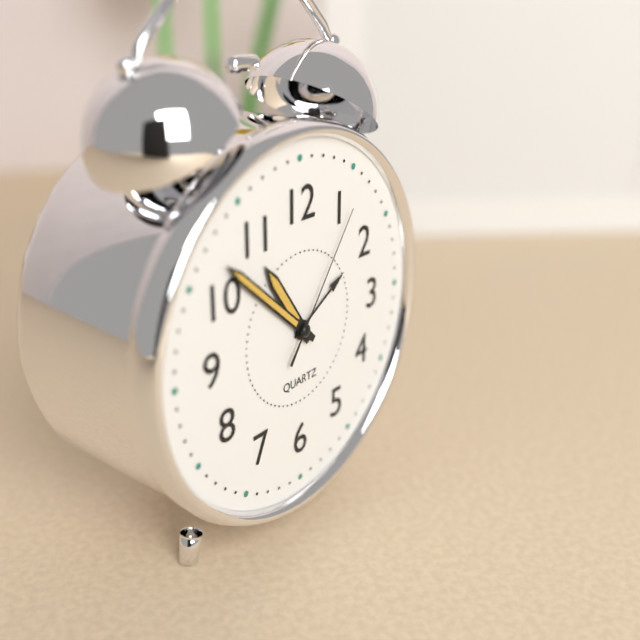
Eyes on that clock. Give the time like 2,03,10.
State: 10,52,06
